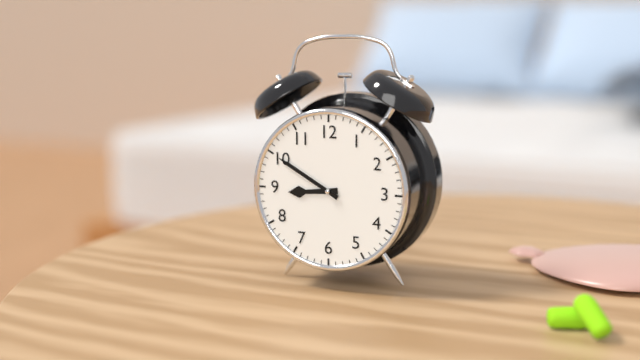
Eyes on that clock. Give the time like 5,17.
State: 8,50
